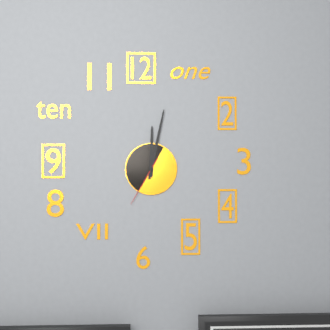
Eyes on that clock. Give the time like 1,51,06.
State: 12,02,35
